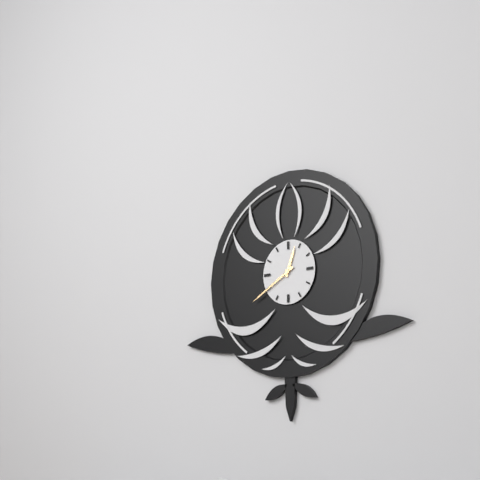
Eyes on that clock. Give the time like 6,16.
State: 12,40
